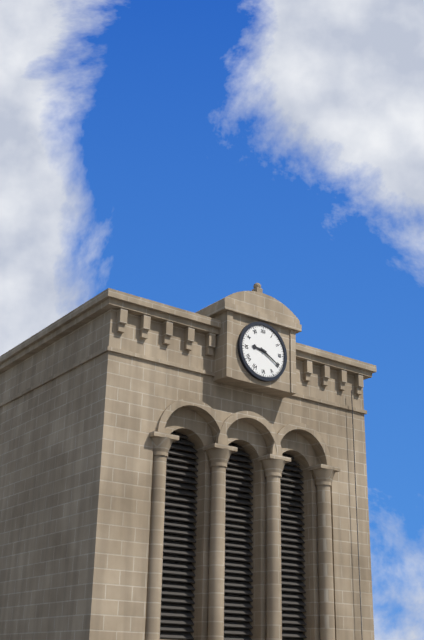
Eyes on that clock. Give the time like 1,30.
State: 9,20
